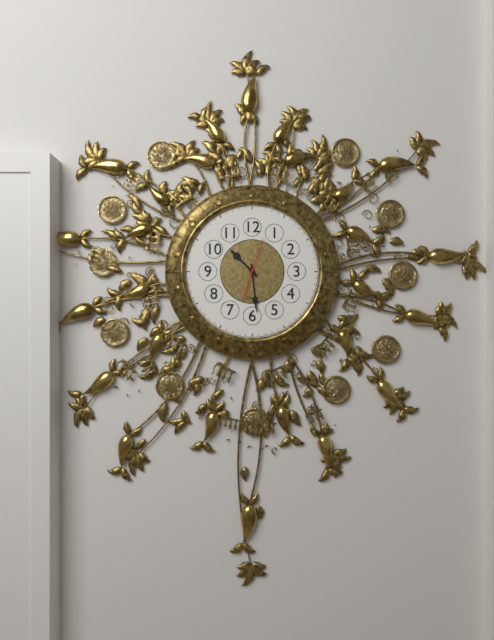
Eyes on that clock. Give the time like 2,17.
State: 10,29
